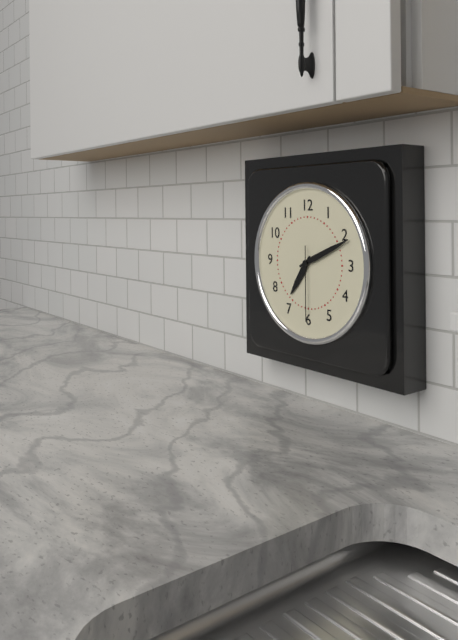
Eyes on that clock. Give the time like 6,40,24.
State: 7,11,30
